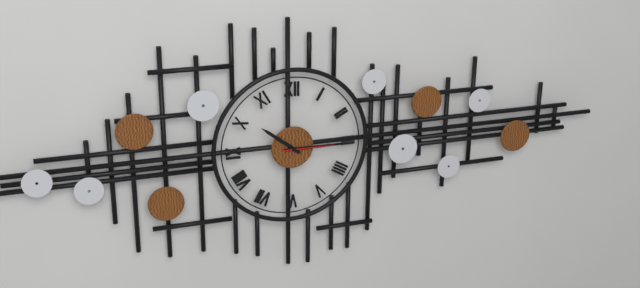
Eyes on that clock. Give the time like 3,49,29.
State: 10,15,15
